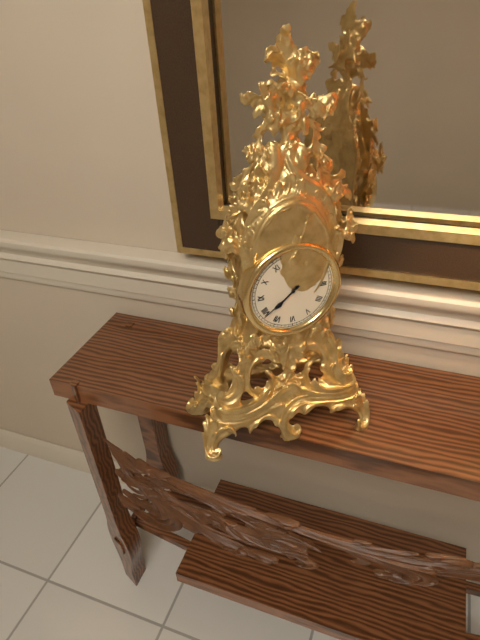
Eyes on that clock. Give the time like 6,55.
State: 7,39
